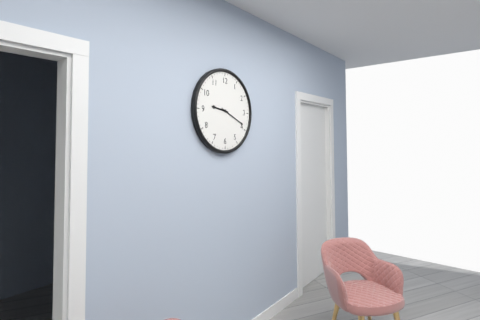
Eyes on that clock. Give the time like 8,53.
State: 9,19
